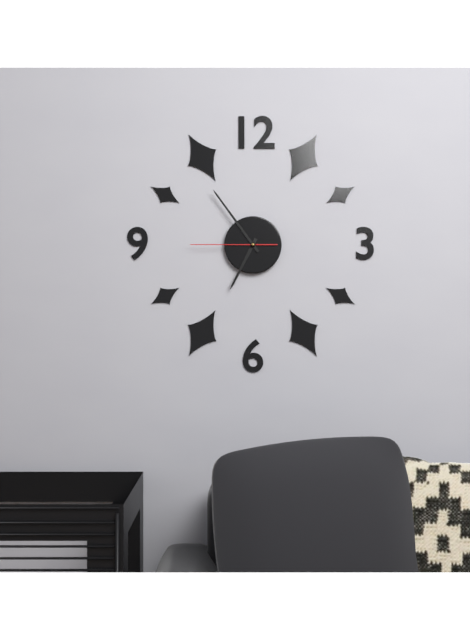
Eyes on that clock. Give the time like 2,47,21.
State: 6,54,45
